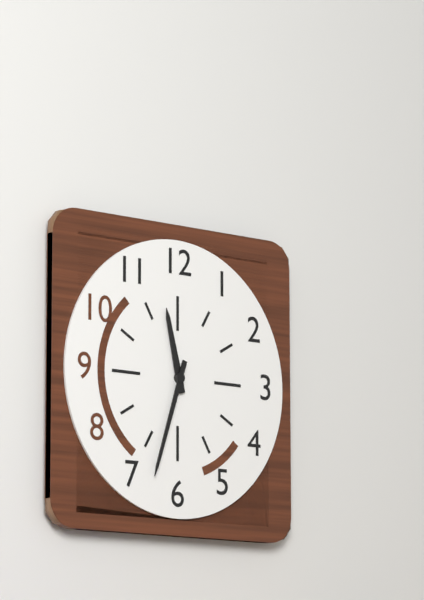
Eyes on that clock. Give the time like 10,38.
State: 11,33
